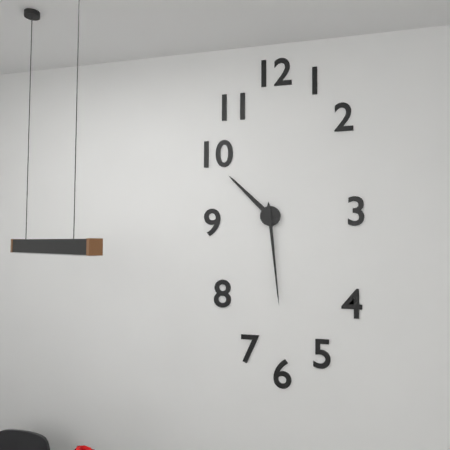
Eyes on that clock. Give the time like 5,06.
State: 10,29
